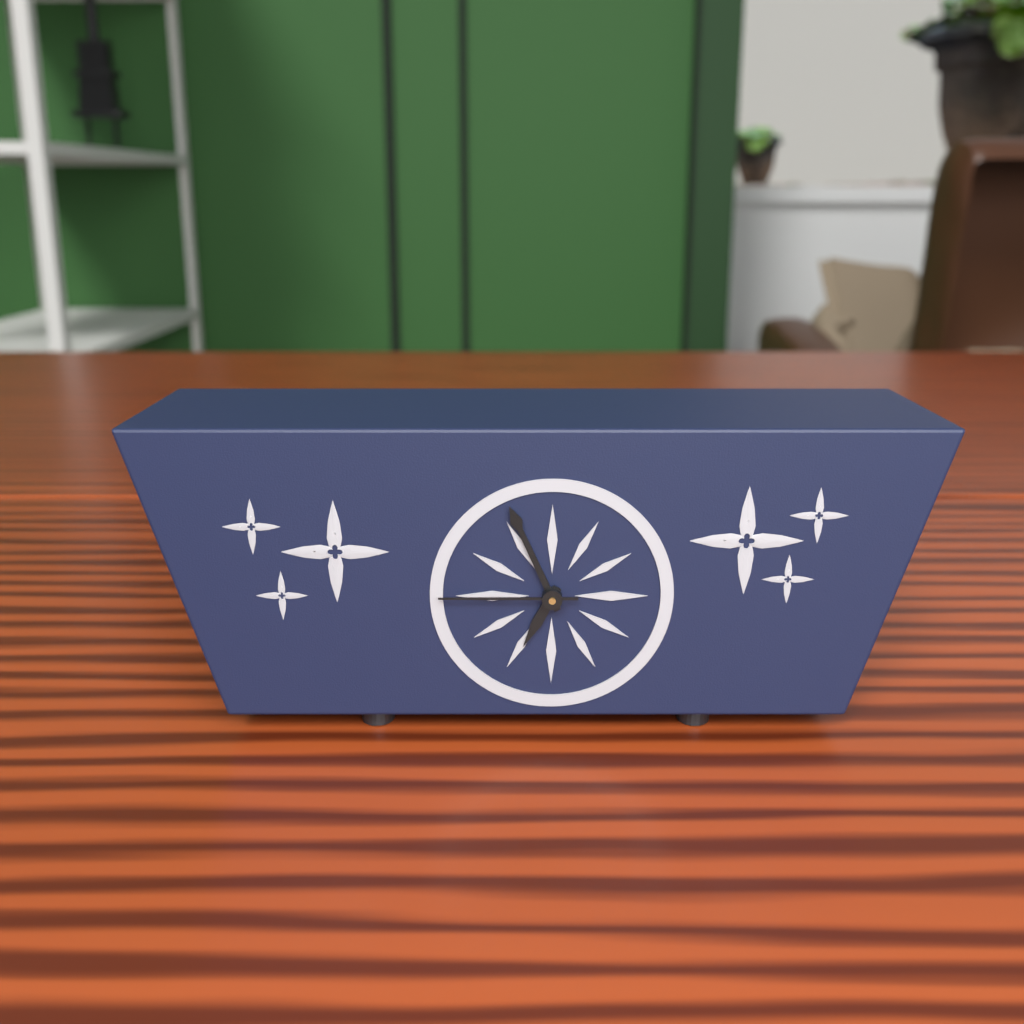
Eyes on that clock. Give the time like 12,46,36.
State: 6,56,45
